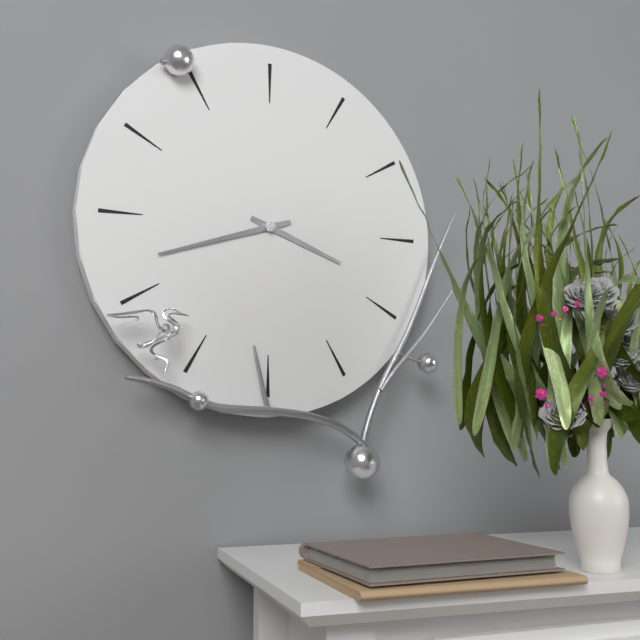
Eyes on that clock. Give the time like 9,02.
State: 3,42
